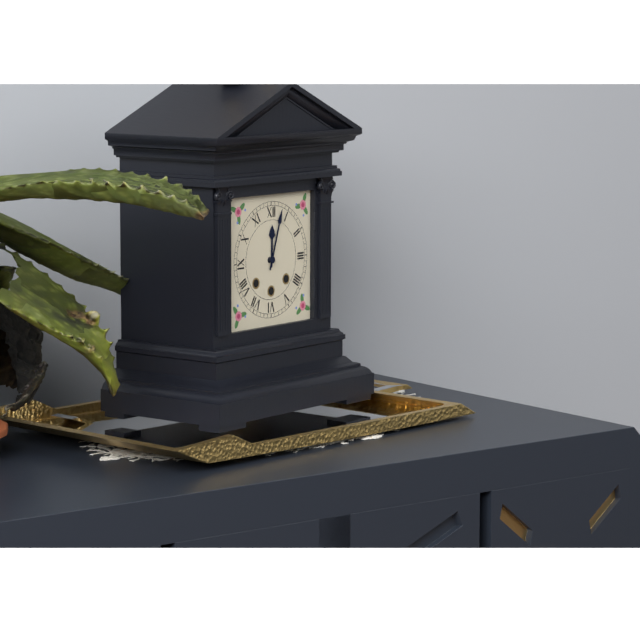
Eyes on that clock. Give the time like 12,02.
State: 12,03
